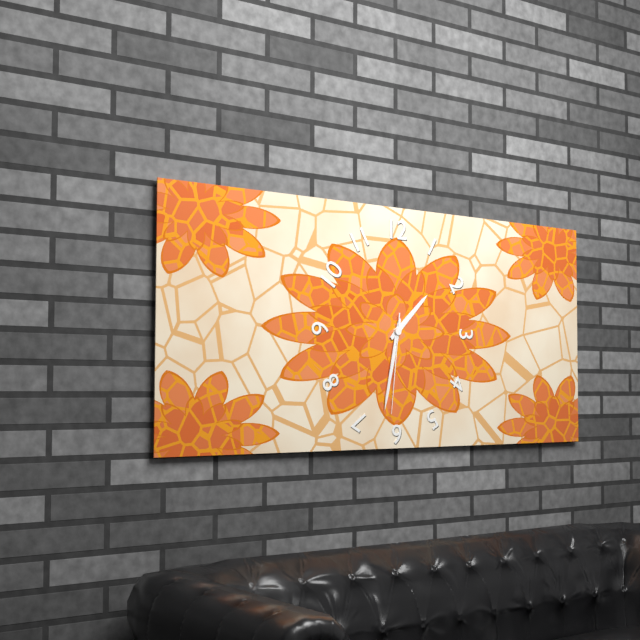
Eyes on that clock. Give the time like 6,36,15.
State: 1,32,31
